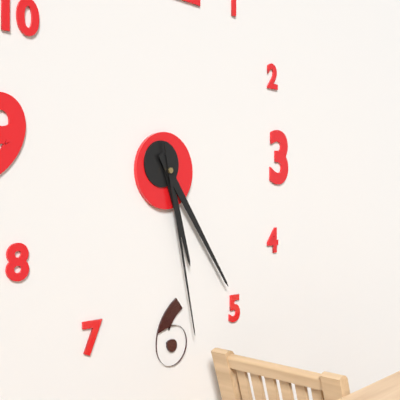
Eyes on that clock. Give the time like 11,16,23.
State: 5,24,28
